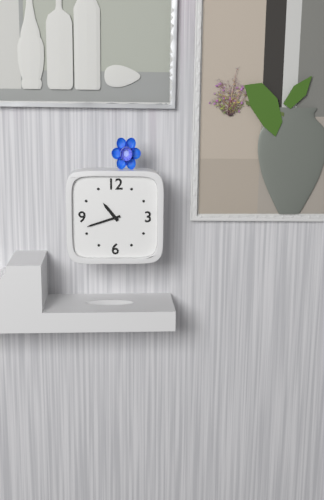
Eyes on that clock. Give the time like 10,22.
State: 10,42
